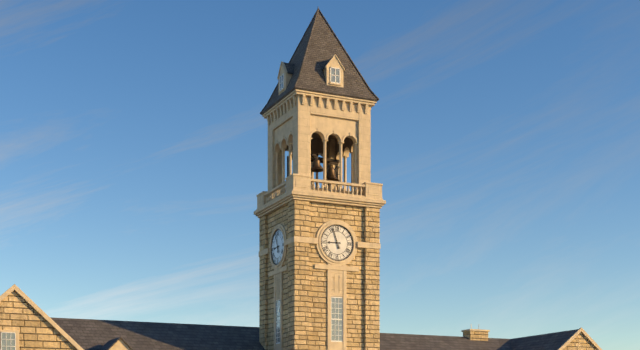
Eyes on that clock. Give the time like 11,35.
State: 8,57
